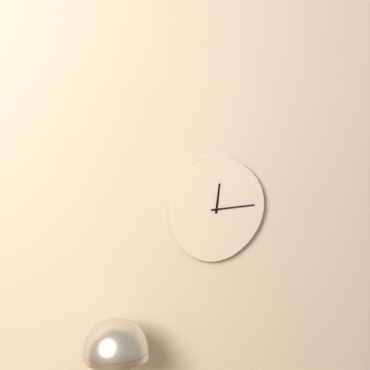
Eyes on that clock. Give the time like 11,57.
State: 12,14
